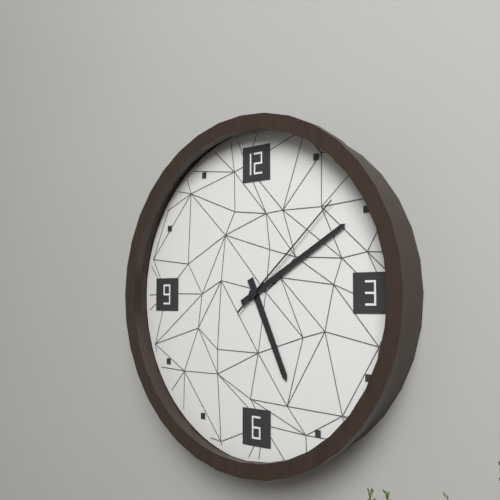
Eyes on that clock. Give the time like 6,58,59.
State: 5,10,08
